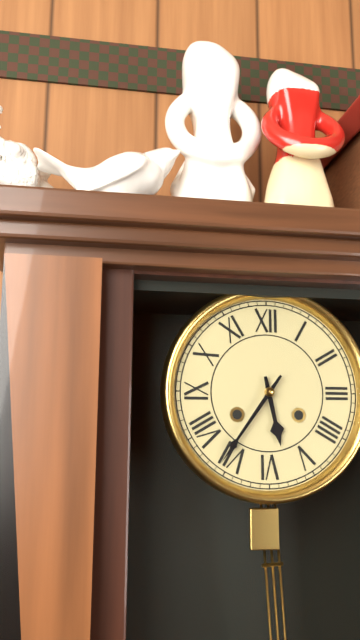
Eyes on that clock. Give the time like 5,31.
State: 5,36
